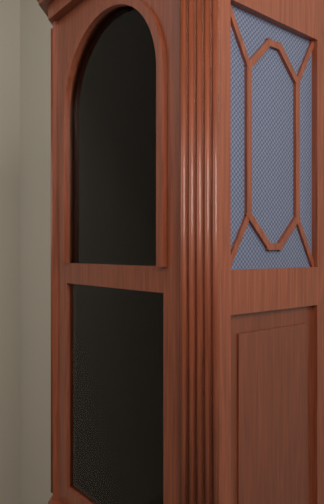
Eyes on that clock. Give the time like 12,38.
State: 4,28
